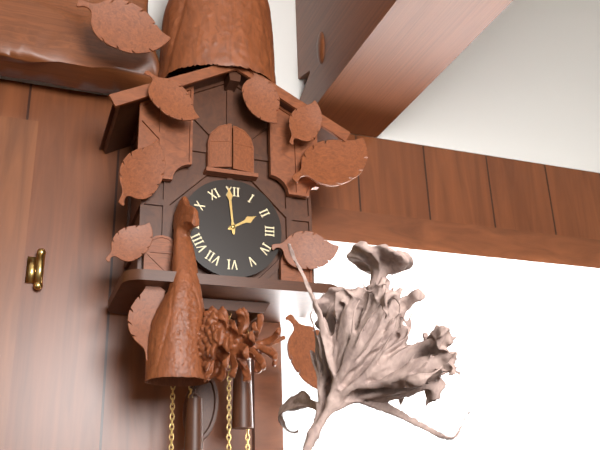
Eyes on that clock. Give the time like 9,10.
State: 1,59
